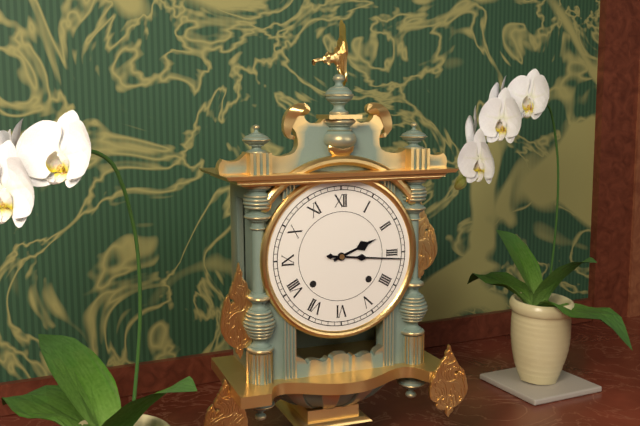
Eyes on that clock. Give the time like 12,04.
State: 2,16
